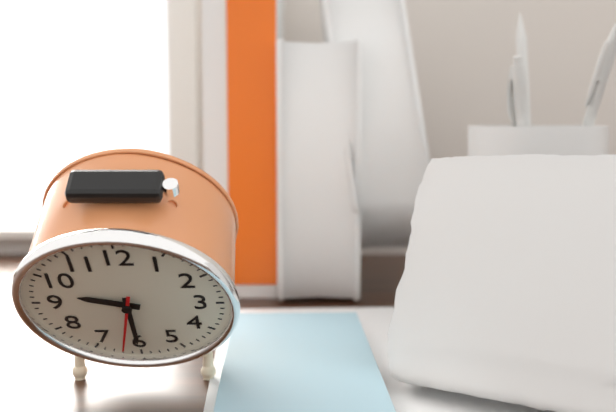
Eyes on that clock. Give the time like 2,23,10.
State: 9,30,32
